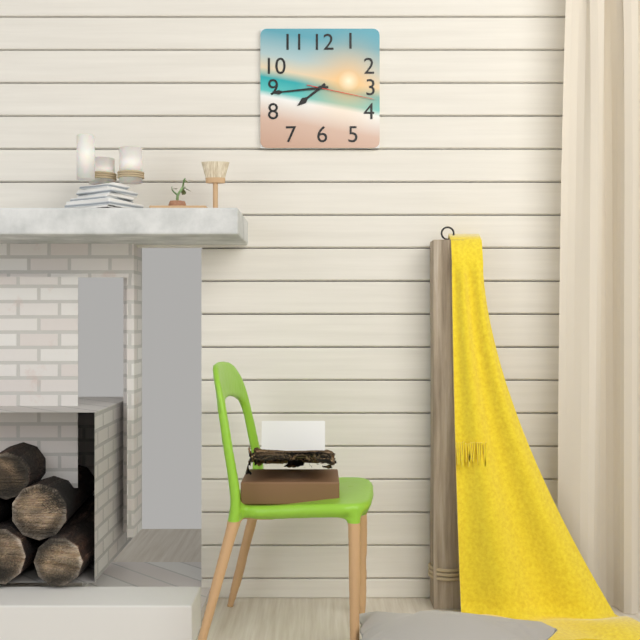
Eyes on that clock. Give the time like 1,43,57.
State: 7,44,17
